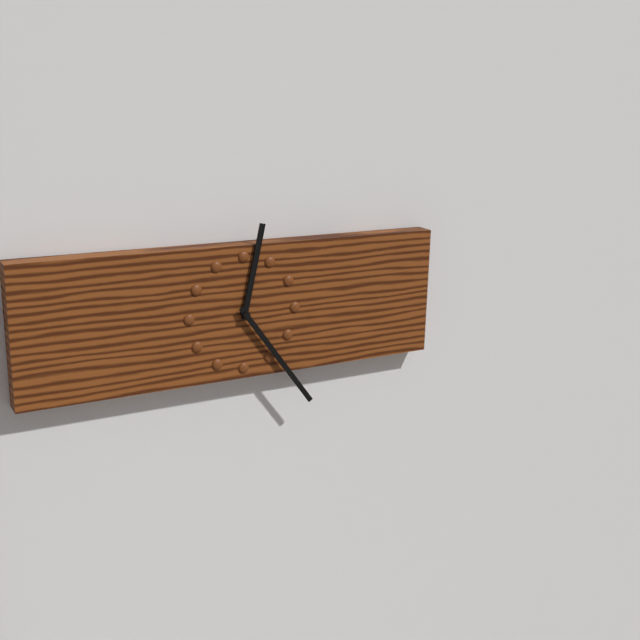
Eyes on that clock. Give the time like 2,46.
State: 12,24
